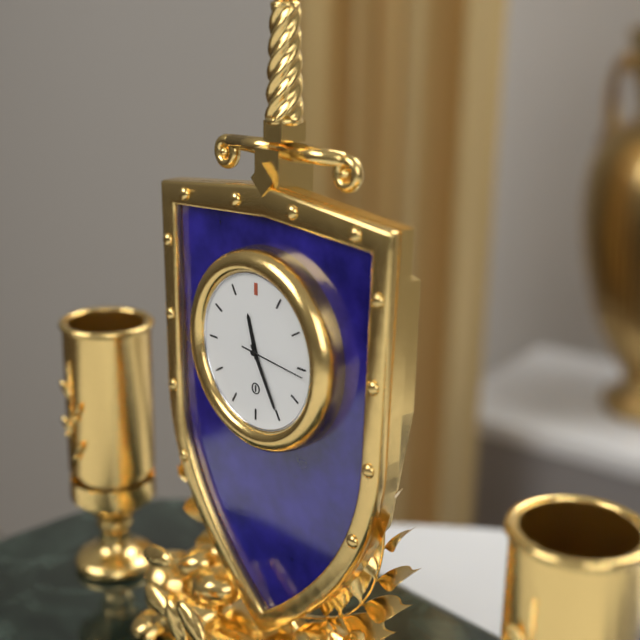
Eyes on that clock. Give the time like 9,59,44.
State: 11,25,16
